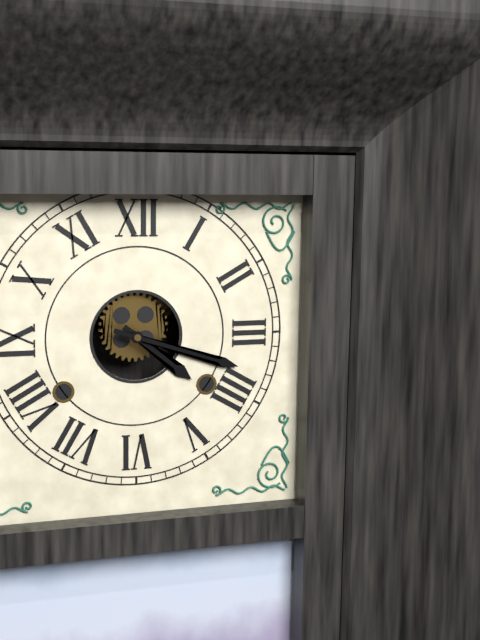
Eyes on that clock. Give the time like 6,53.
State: 4,18
